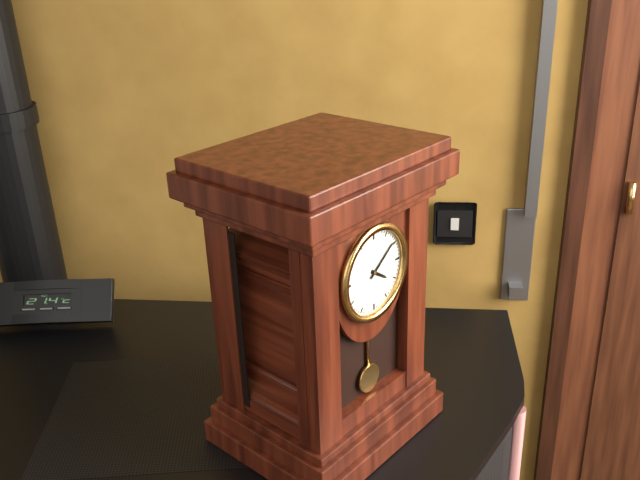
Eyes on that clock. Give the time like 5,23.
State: 4,09
